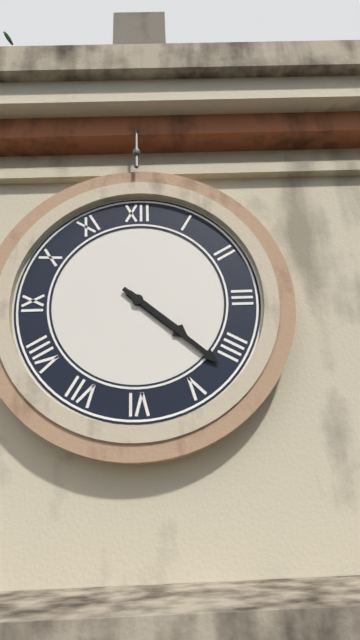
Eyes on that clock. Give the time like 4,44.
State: 4,22
